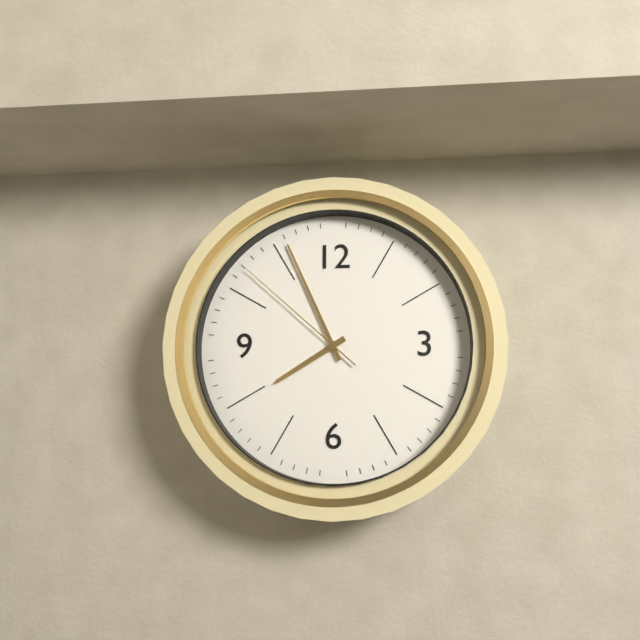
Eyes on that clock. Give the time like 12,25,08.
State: 7,56,52
